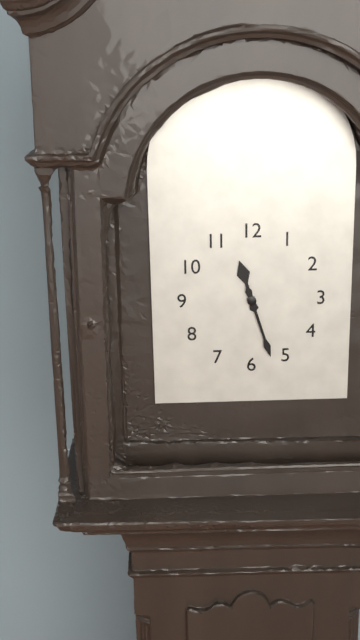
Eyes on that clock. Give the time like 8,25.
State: 11,27
